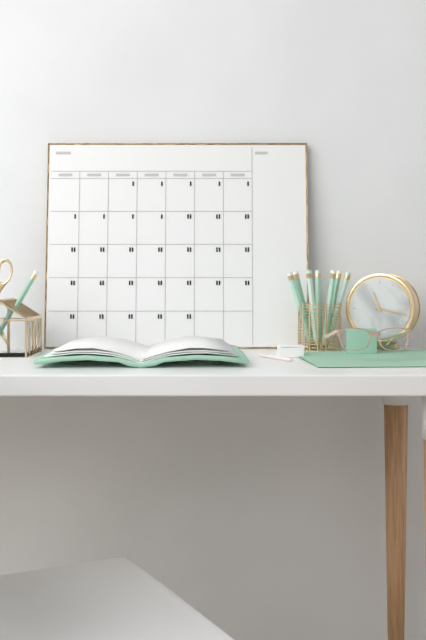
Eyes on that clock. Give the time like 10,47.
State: 11,17
